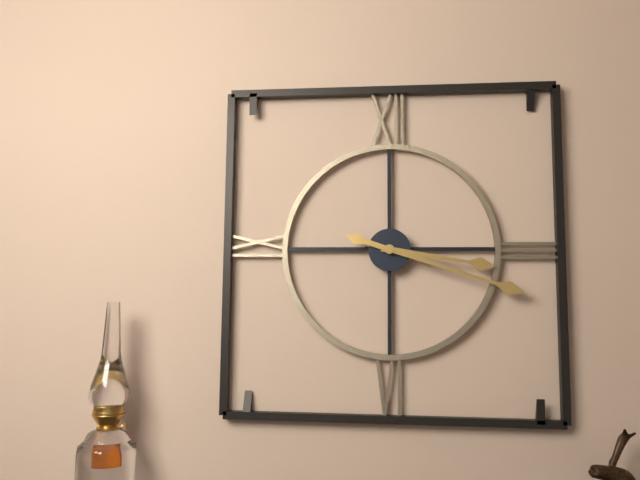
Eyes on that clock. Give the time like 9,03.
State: 3,18
